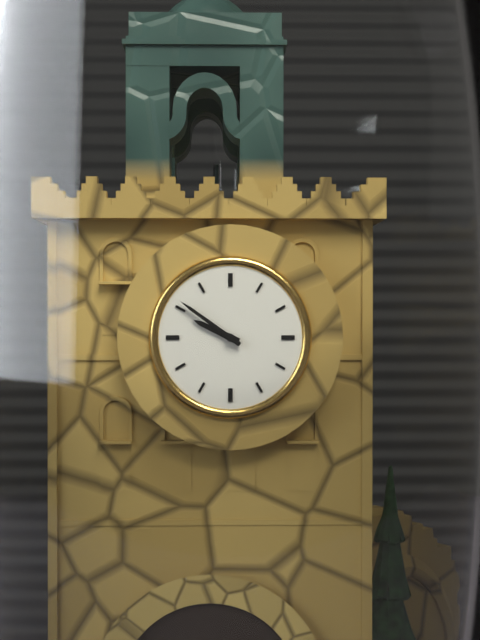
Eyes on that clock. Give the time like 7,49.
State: 9,51
